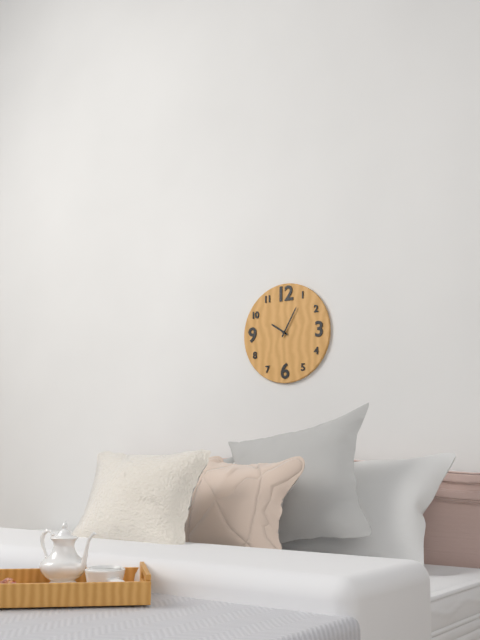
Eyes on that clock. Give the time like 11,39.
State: 10,05
